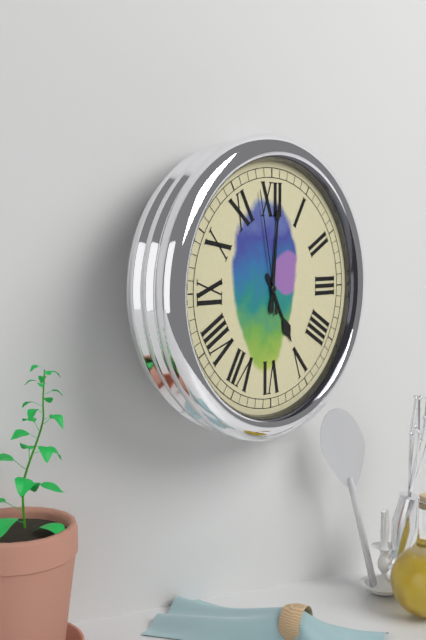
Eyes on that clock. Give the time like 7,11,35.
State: 5,01,58
